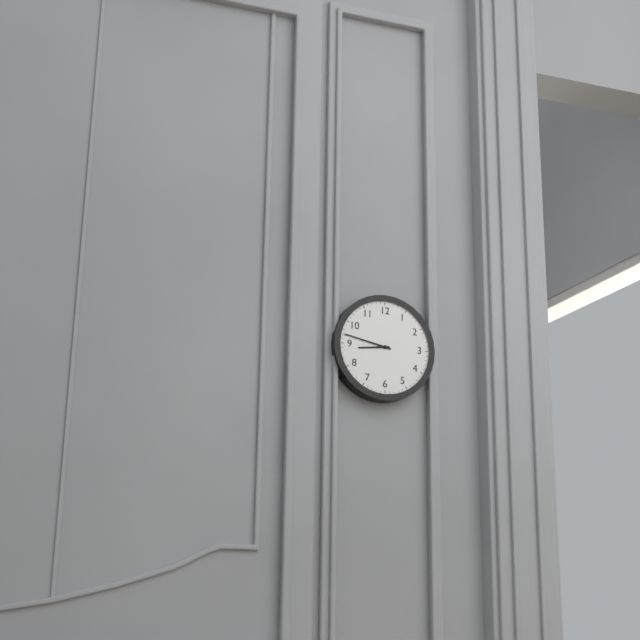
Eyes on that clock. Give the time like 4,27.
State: 8,47
